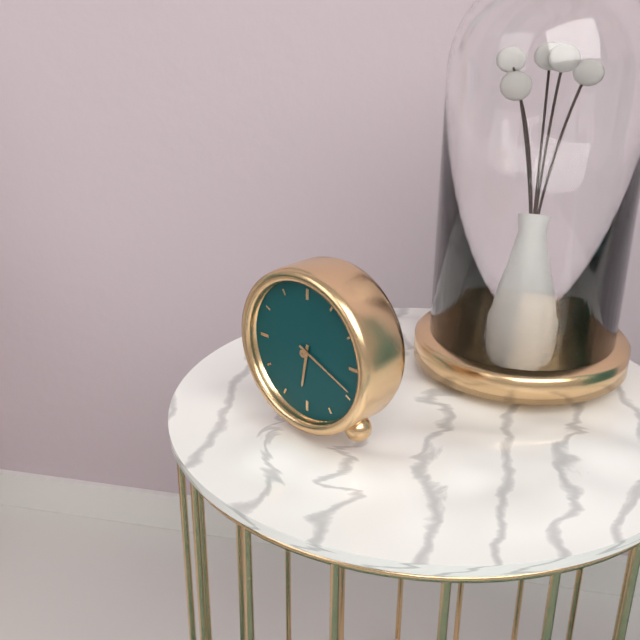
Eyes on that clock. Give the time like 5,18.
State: 6,19
